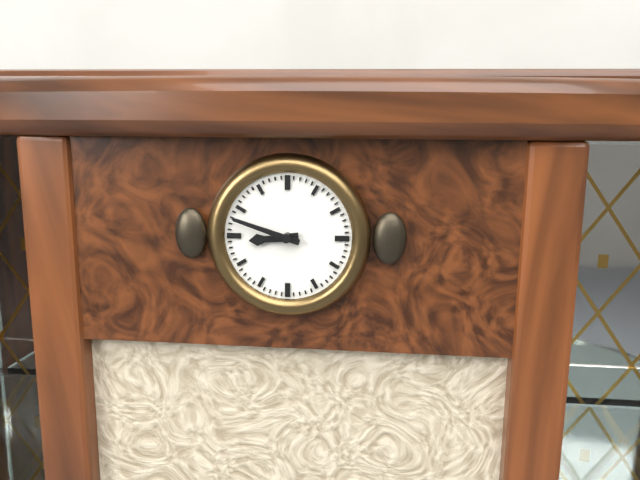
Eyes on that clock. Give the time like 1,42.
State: 8,48
